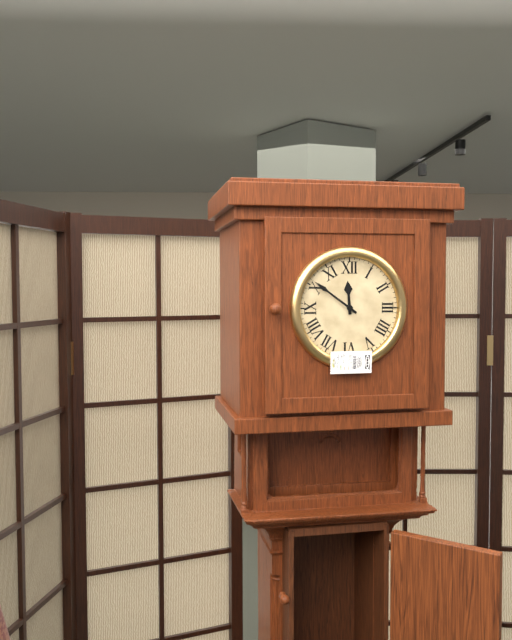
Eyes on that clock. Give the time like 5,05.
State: 11,51
